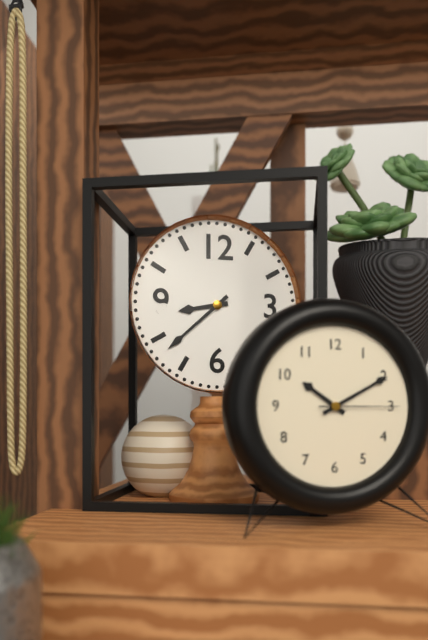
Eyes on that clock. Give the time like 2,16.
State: 8,38
